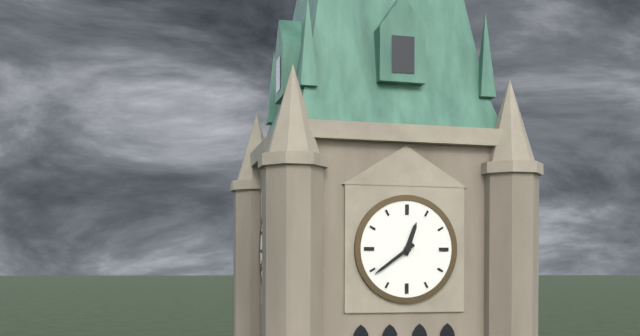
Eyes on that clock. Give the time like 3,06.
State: 12,39
